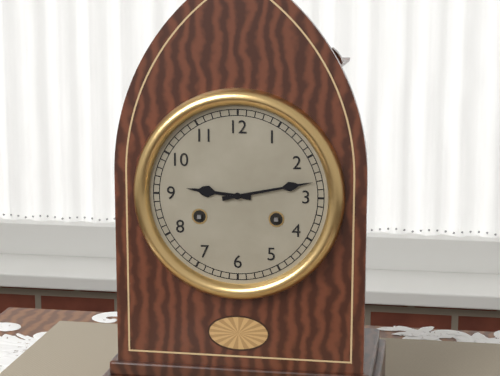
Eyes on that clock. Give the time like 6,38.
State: 9,13
